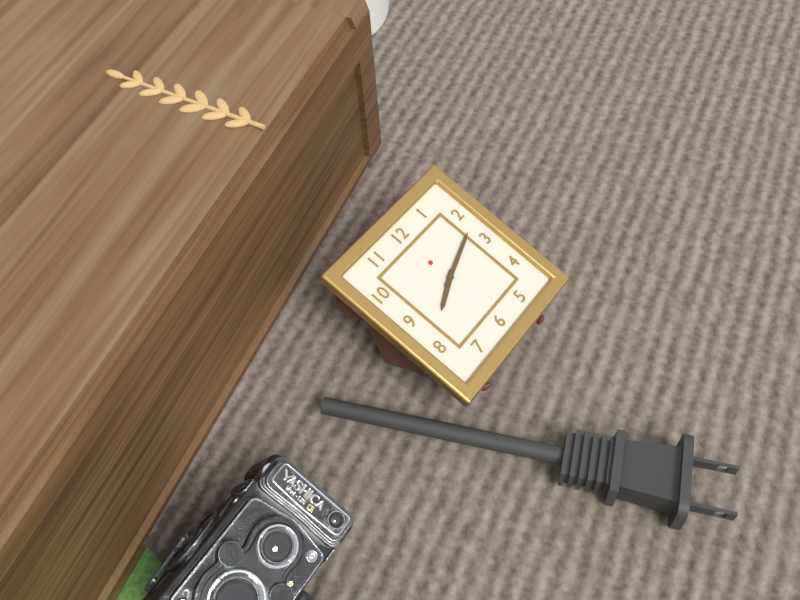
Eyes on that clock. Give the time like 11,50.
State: 8,12
